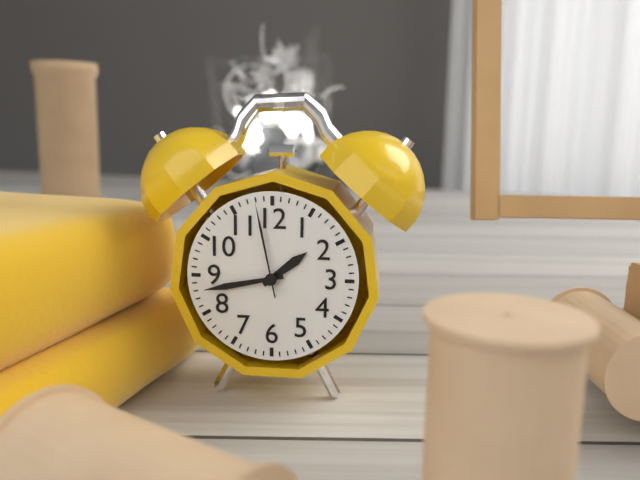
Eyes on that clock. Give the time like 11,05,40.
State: 1,43,58
